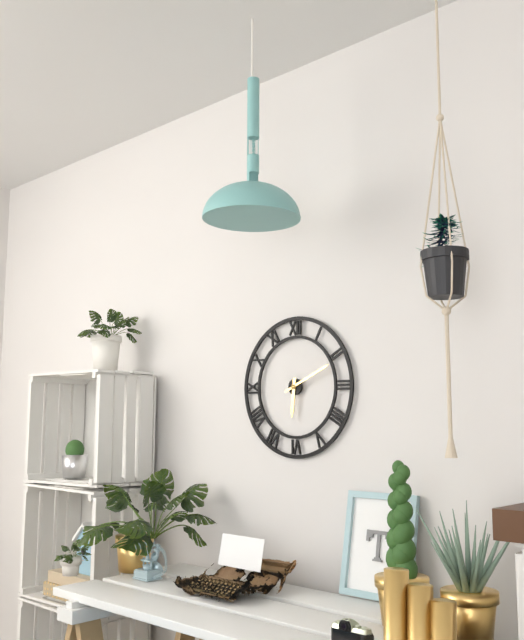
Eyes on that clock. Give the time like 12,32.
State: 6,11
